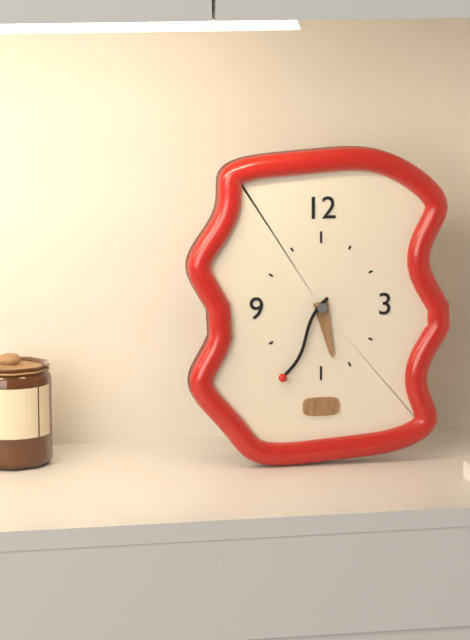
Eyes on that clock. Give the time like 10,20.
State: 5,35
